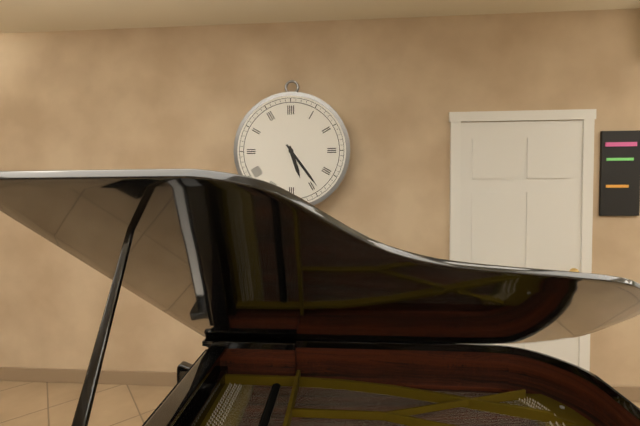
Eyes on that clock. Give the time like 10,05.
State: 5,24
